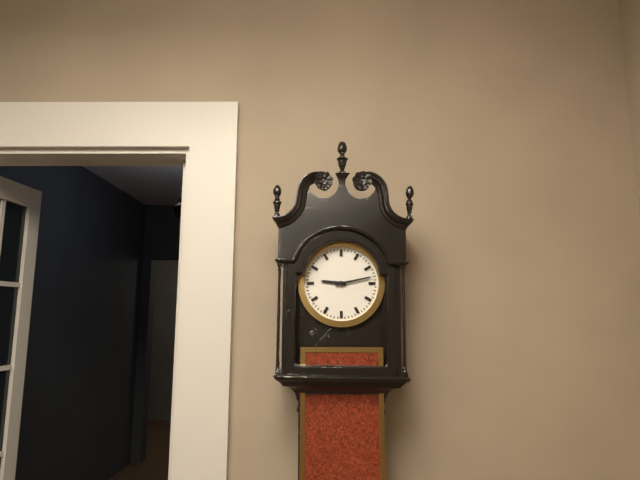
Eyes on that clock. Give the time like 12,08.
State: 9,13
